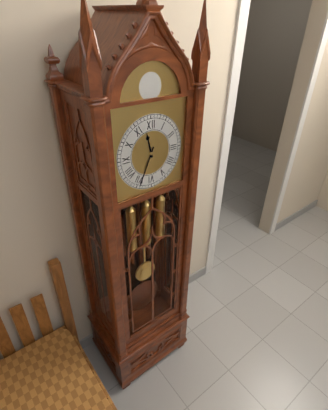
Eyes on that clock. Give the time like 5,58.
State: 11,34
